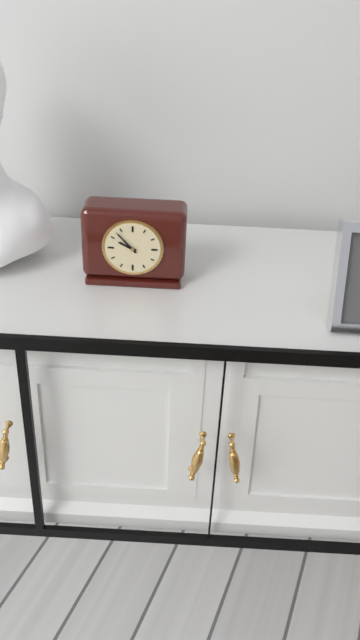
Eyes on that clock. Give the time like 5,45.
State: 9,53
